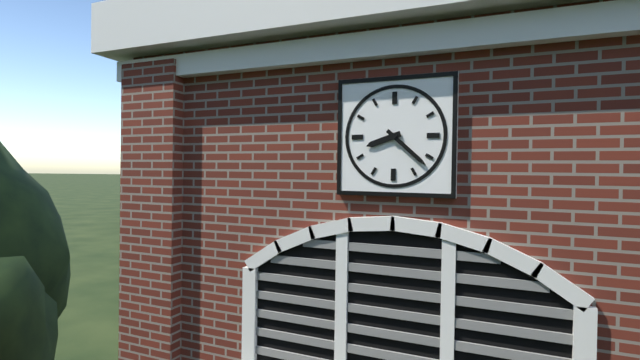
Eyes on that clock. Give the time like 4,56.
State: 8,22
